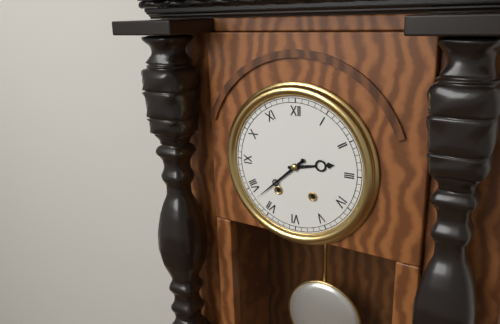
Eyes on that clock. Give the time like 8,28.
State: 2,38
